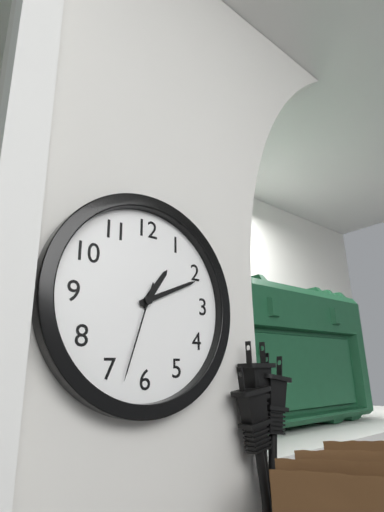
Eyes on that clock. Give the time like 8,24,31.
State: 1,11,33
